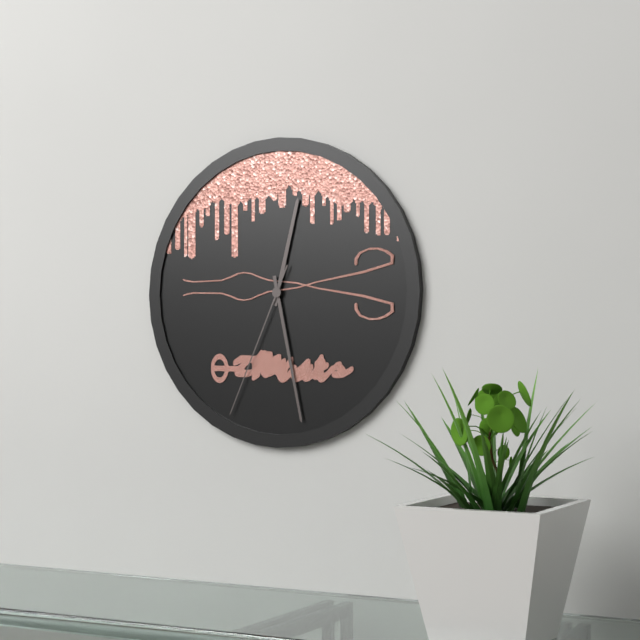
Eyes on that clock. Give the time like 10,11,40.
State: 12,28,34
